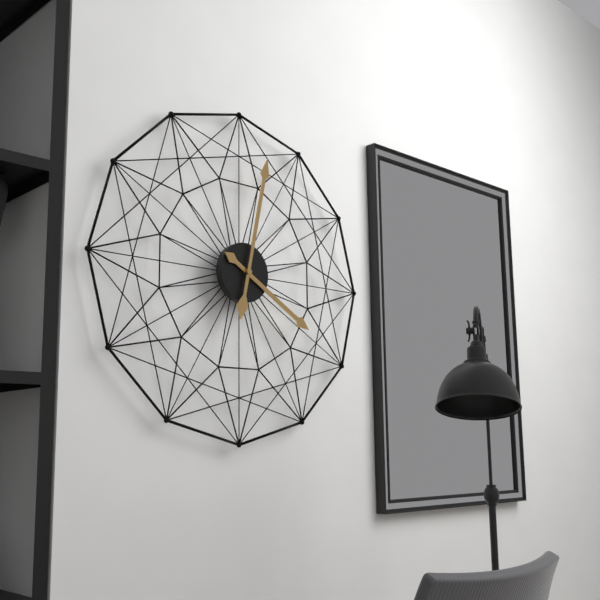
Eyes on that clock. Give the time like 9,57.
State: 4,02
